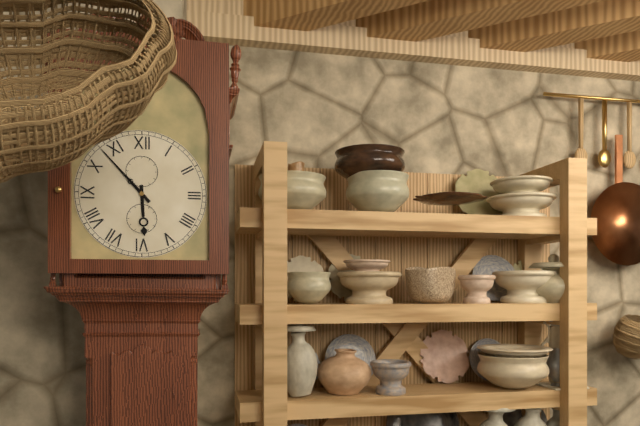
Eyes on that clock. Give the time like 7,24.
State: 5,53
